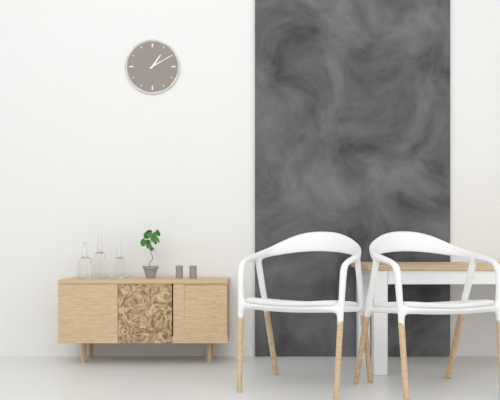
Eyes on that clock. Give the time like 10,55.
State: 1,10
